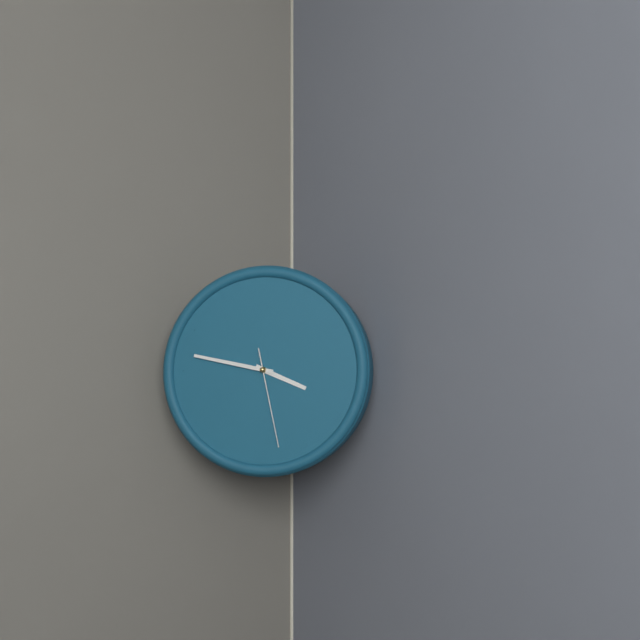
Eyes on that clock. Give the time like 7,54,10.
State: 3,47,28
